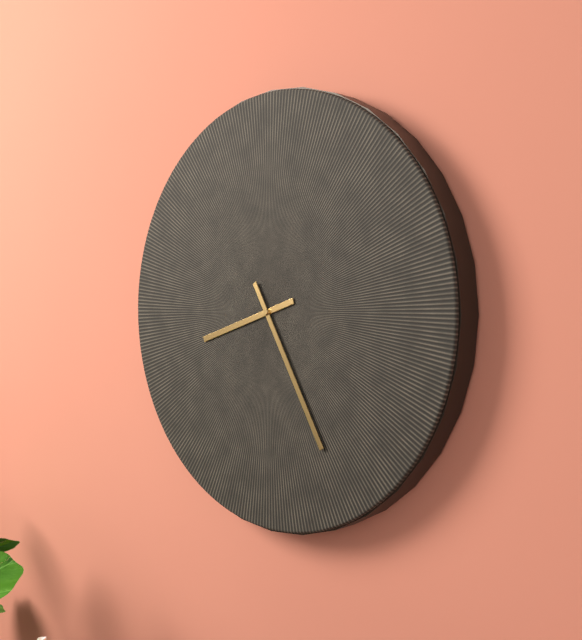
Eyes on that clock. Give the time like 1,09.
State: 8,25
